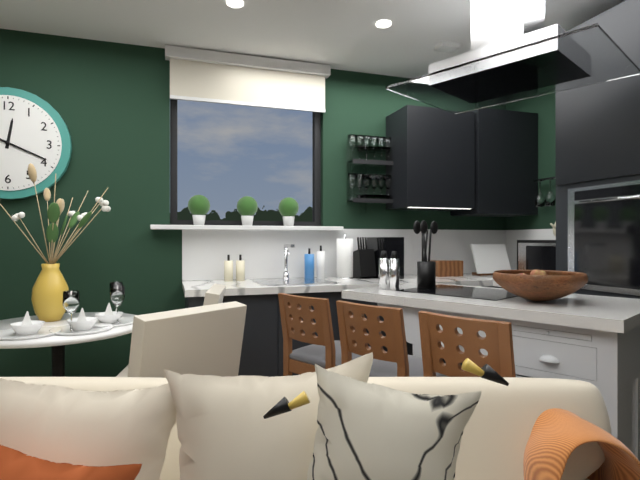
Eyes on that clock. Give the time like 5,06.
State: 12,19
